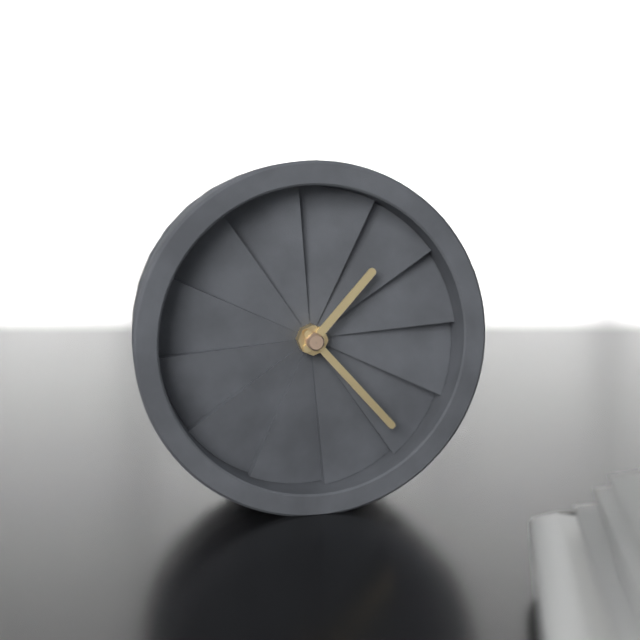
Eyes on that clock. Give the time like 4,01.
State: 1,23
